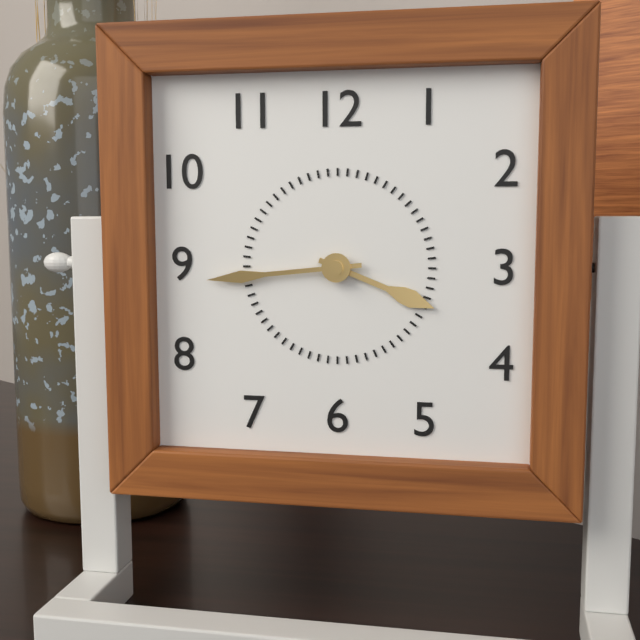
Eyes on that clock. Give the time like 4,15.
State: 3,44
